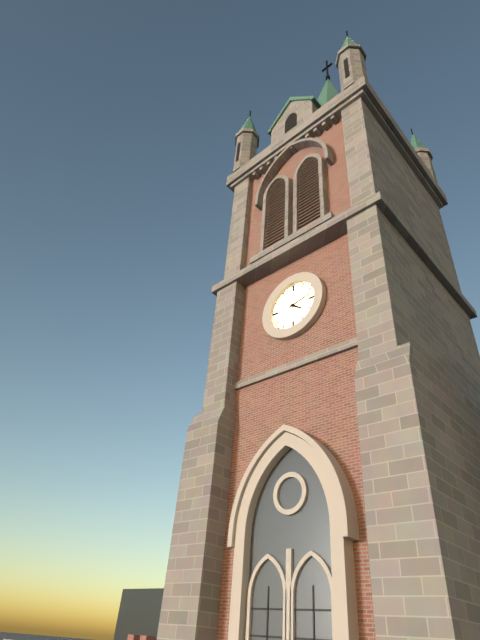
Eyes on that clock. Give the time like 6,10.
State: 4,13
